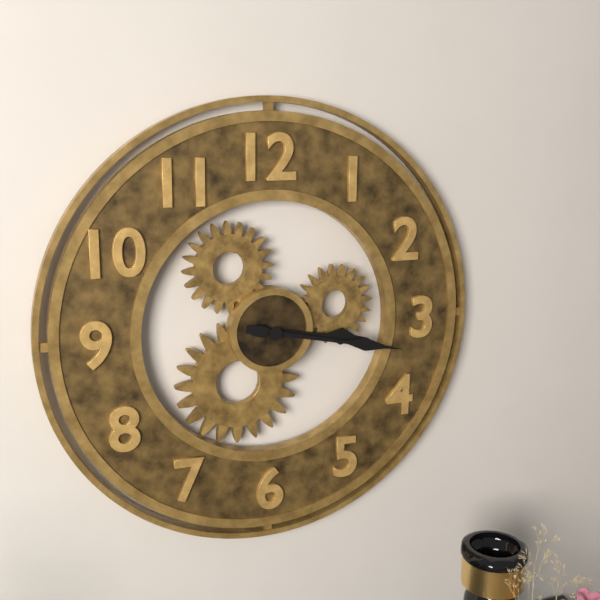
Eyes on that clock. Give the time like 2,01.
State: 3,17
